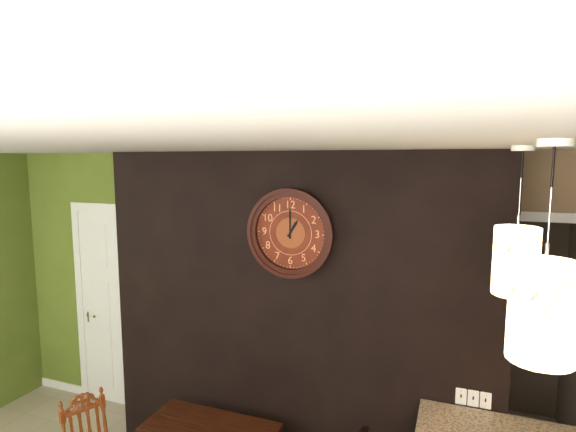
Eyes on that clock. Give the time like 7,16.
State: 1,00
